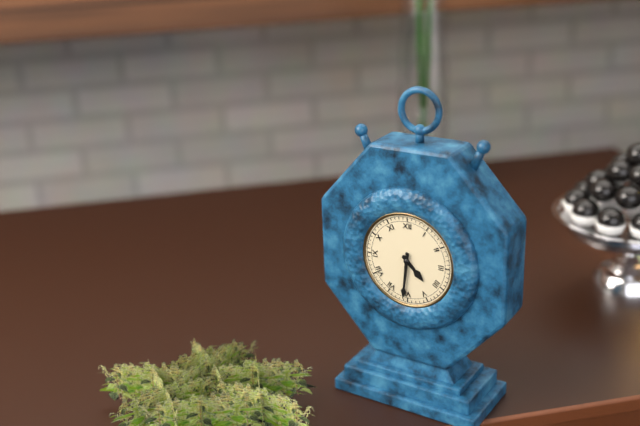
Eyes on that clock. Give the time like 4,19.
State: 4,31
